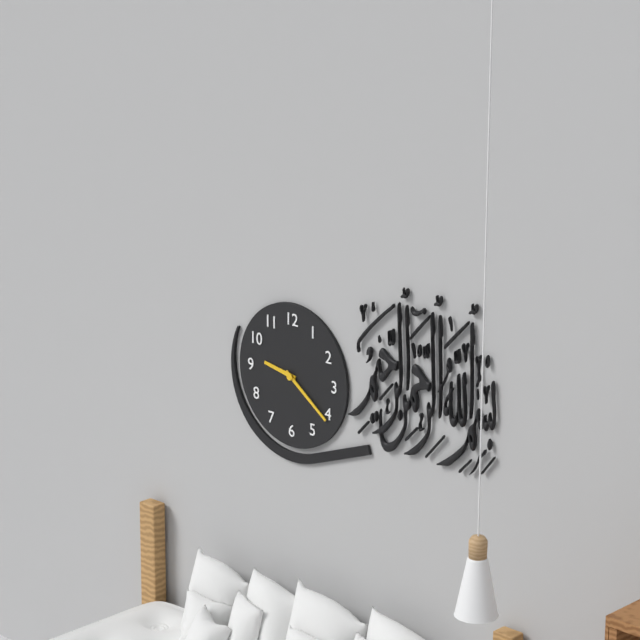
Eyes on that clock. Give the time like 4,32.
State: 9,21
